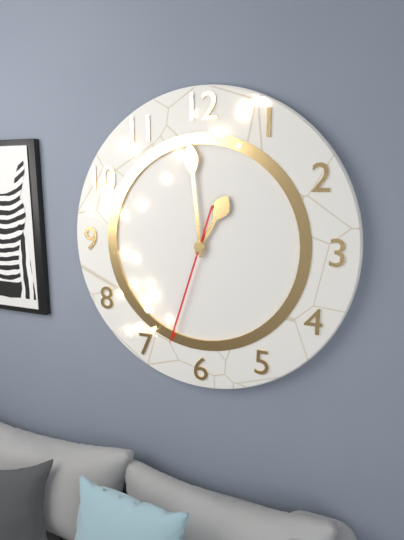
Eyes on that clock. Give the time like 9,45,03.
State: 12,59,33
